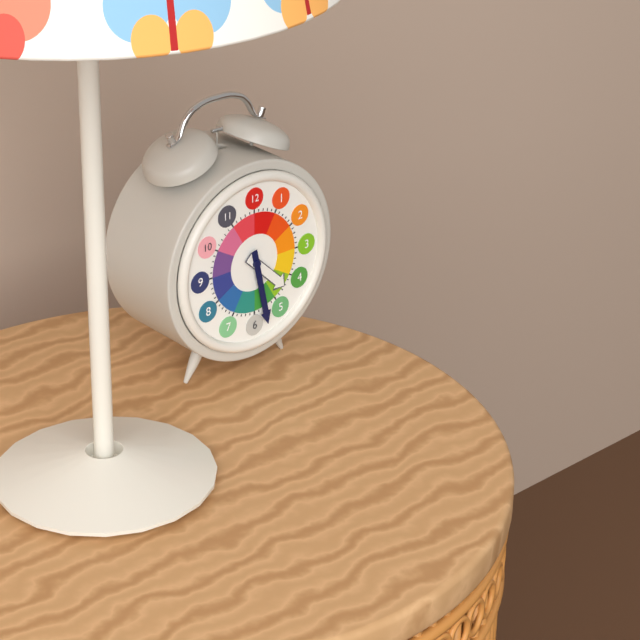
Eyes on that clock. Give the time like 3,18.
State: 4,28
